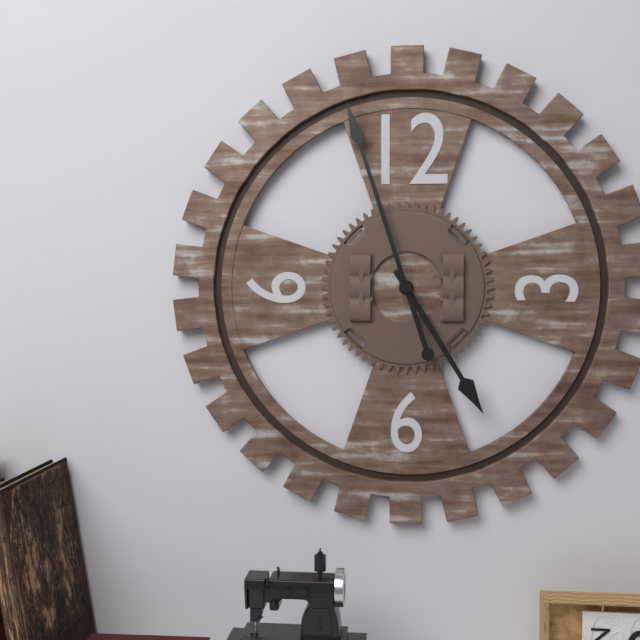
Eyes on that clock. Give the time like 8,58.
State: 4,57
